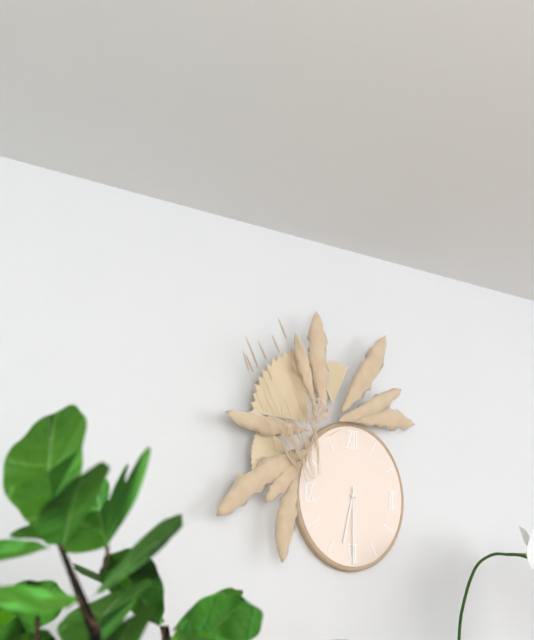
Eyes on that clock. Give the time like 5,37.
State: 6,30
